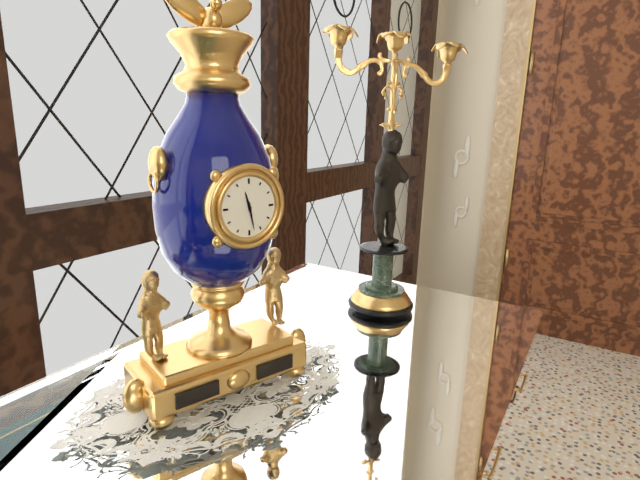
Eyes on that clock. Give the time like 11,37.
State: 11,28
